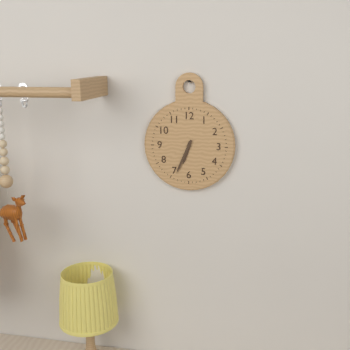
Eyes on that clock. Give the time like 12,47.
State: 6,34
